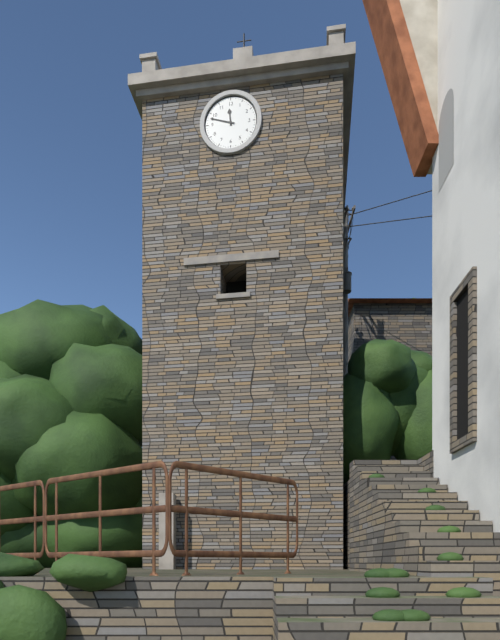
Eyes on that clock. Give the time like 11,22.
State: 11,48
